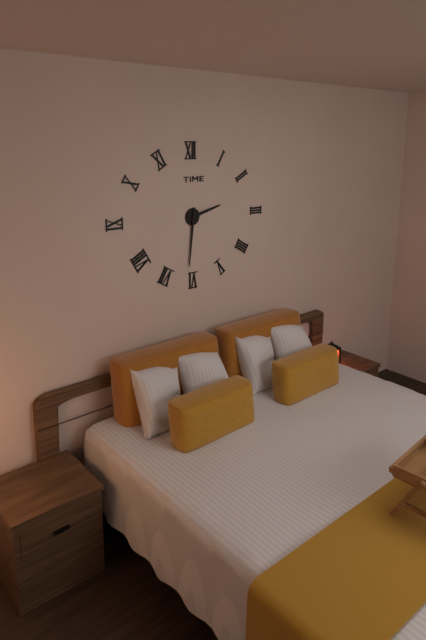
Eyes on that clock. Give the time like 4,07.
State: 2,31
